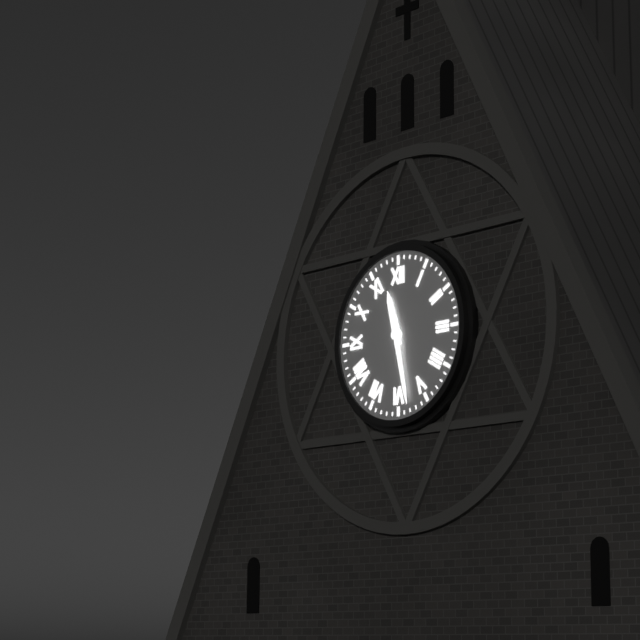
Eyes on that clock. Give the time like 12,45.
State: 11,28
